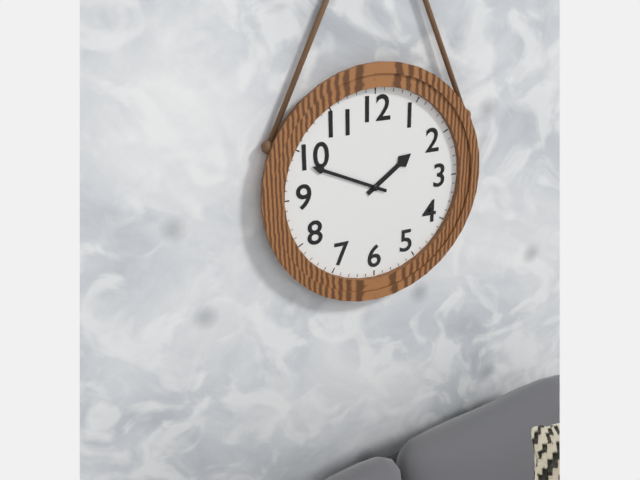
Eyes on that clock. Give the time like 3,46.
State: 1,49
